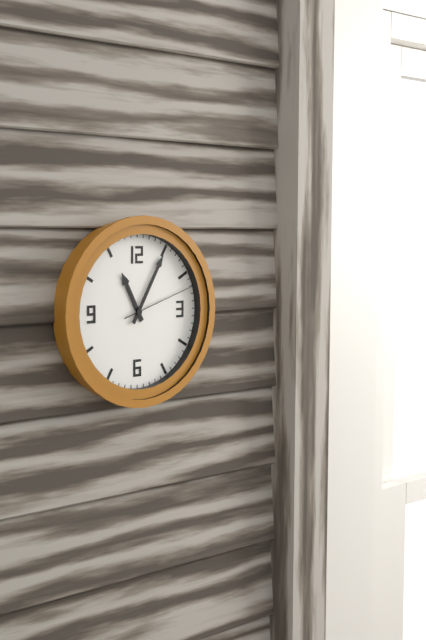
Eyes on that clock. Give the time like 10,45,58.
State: 11,05,12
